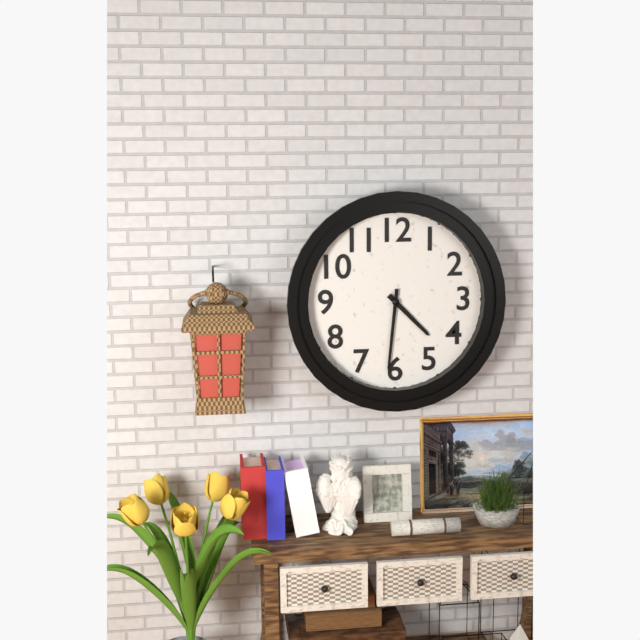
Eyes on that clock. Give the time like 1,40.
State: 4,31
